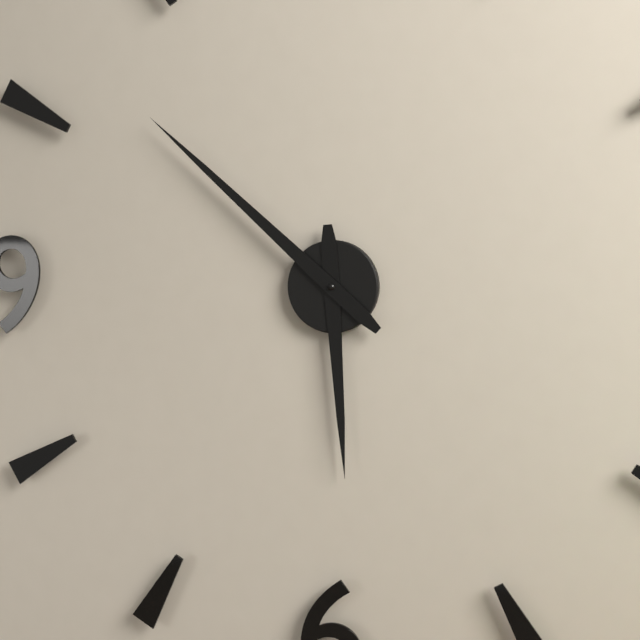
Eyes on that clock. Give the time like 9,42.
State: 5,52
